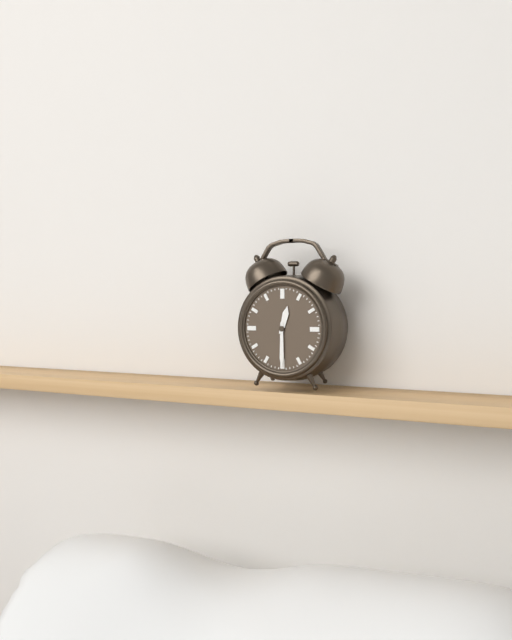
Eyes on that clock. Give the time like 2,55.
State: 12,30
